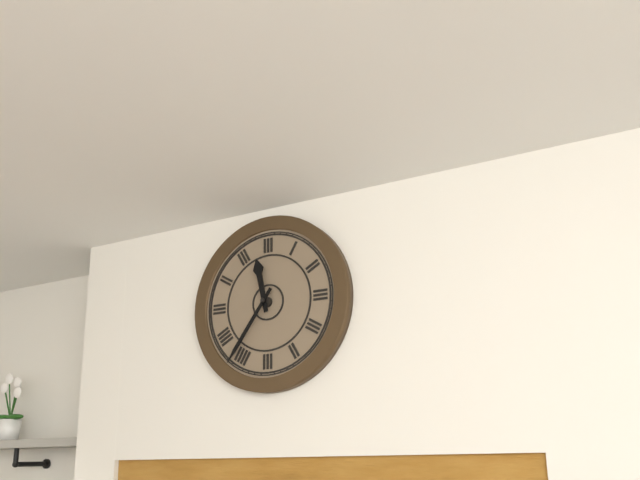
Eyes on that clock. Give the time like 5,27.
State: 11,36
